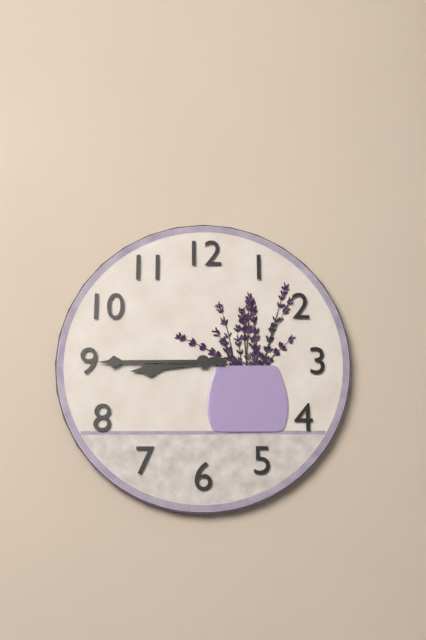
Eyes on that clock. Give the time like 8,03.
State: 8,45
